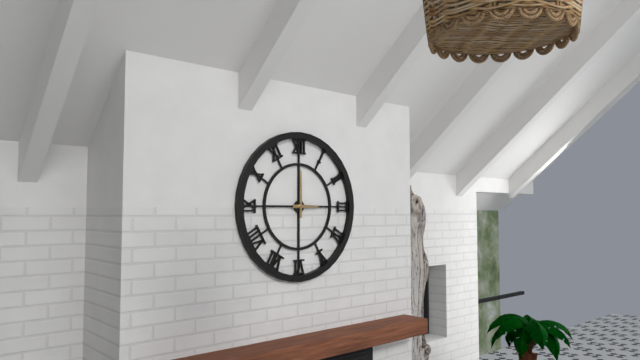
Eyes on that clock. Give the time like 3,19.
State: 3,00
